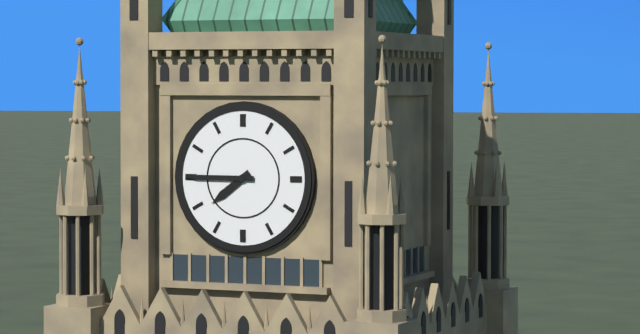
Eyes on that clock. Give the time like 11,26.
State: 7,45
